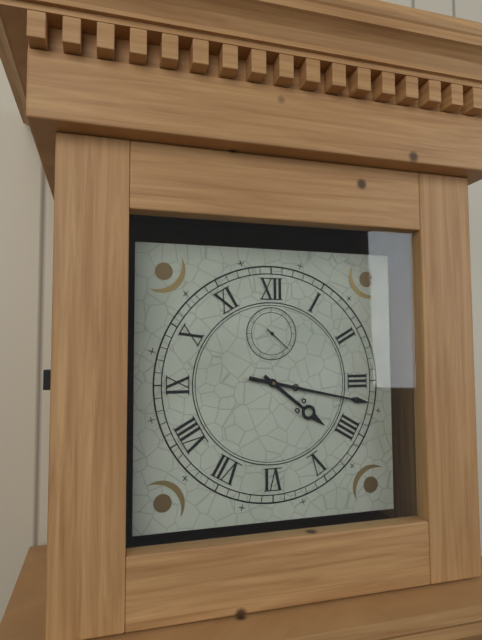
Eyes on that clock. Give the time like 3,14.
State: 4,17
